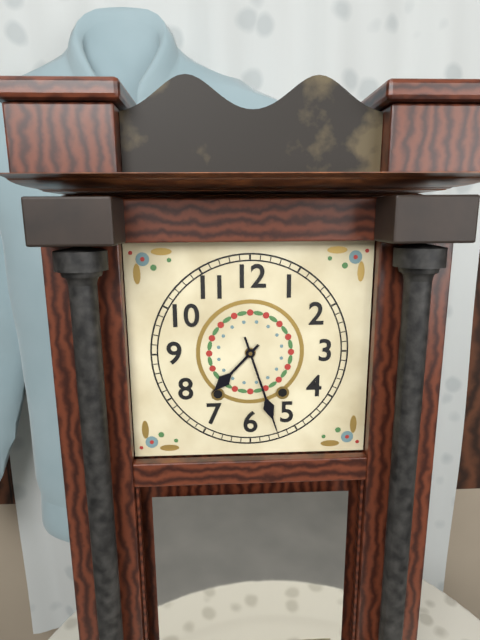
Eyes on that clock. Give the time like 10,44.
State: 7,27
